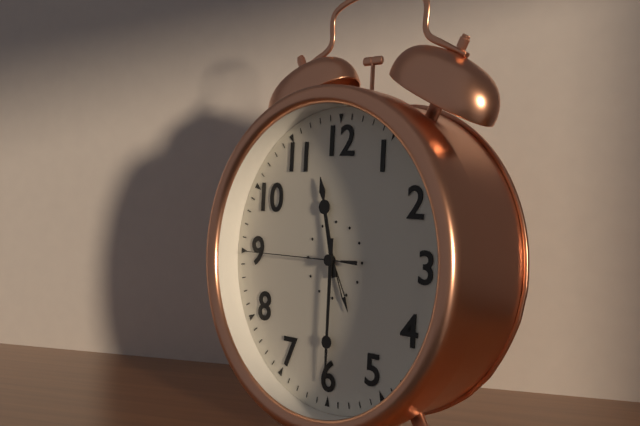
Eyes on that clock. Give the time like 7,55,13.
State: 11,30,45
